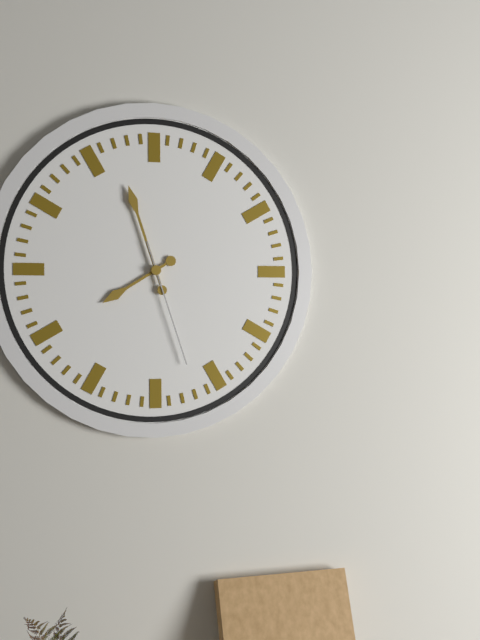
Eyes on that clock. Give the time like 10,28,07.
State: 7,57,27
